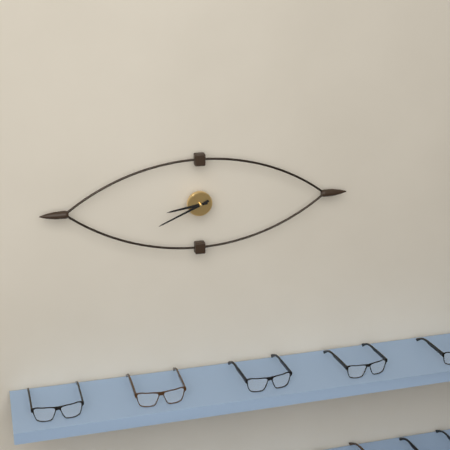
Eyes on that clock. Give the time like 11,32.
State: 8,41
